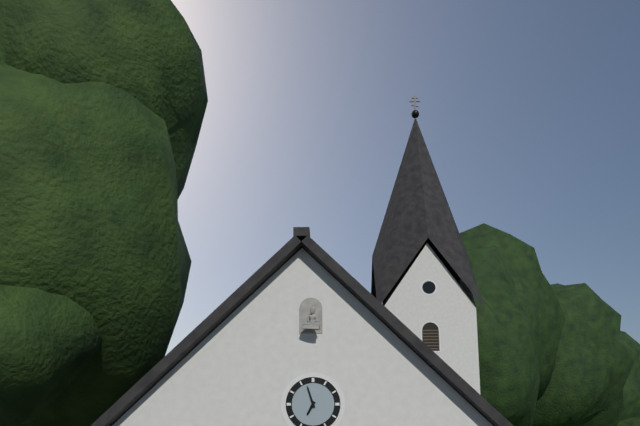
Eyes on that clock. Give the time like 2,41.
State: 6,57
